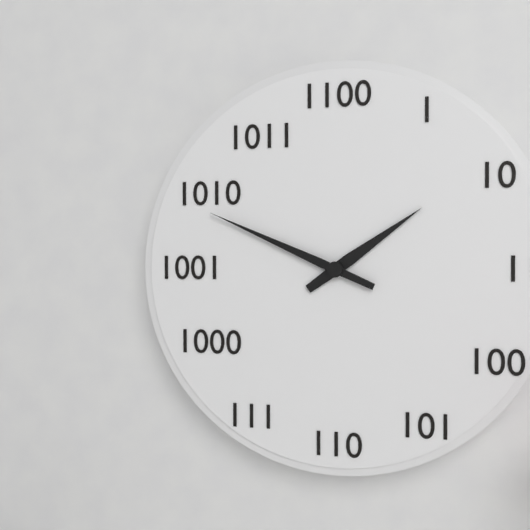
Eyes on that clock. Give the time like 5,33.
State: 1,49
